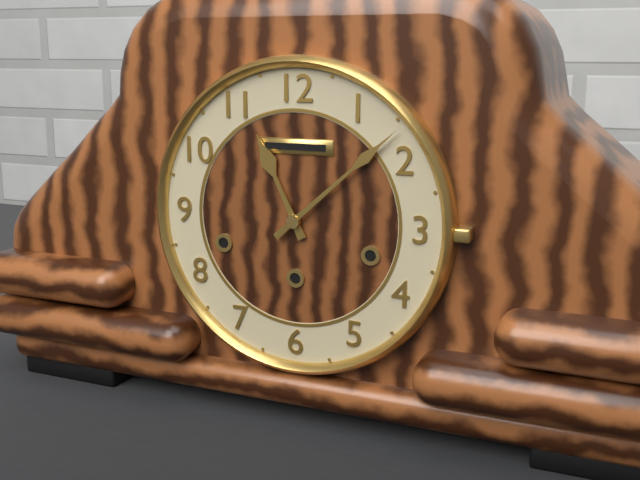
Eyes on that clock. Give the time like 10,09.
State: 11,08
